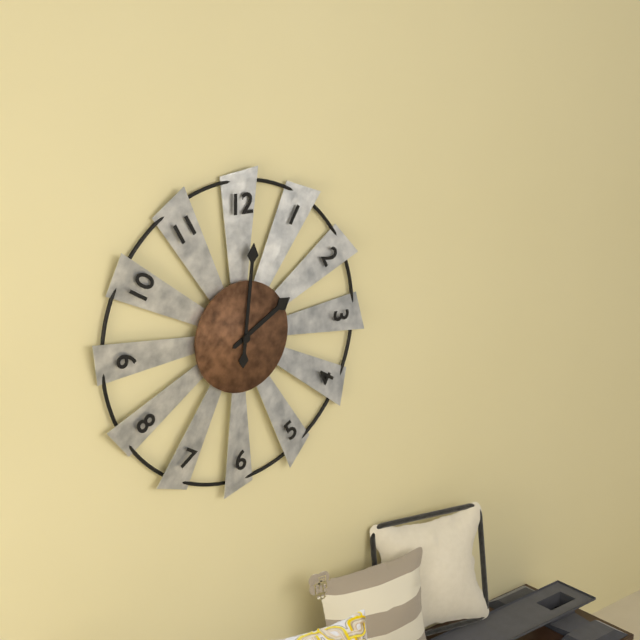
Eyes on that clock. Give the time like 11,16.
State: 2,01
